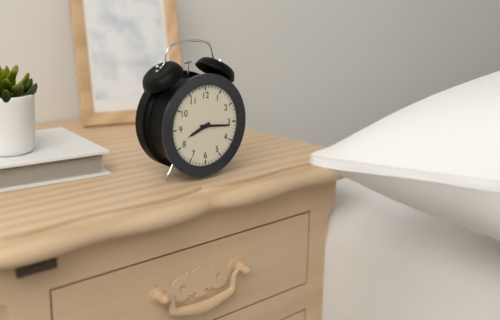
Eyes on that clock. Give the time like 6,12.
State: 8,16
